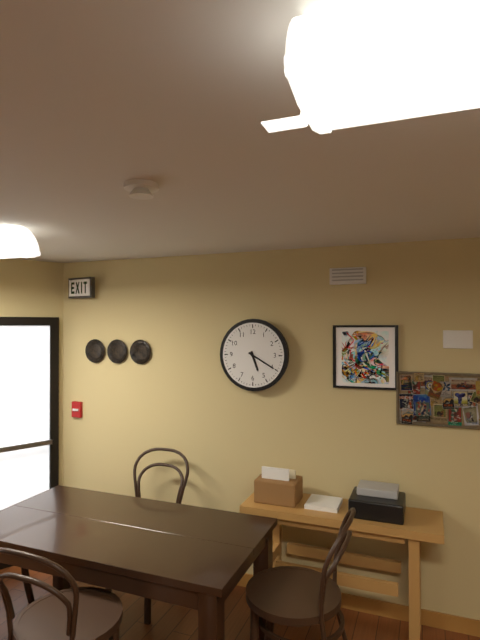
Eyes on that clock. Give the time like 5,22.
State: 5,20
